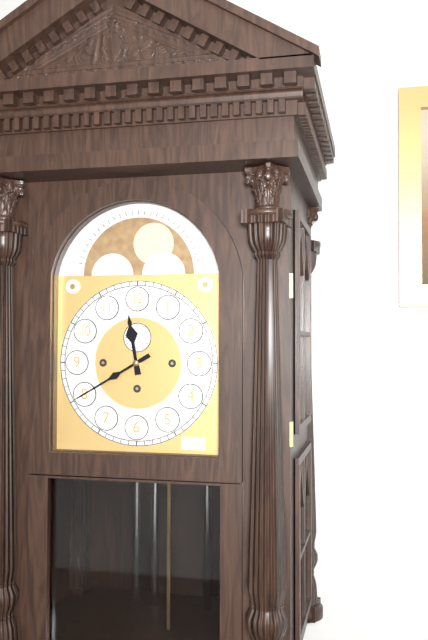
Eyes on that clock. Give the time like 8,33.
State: 11,40
